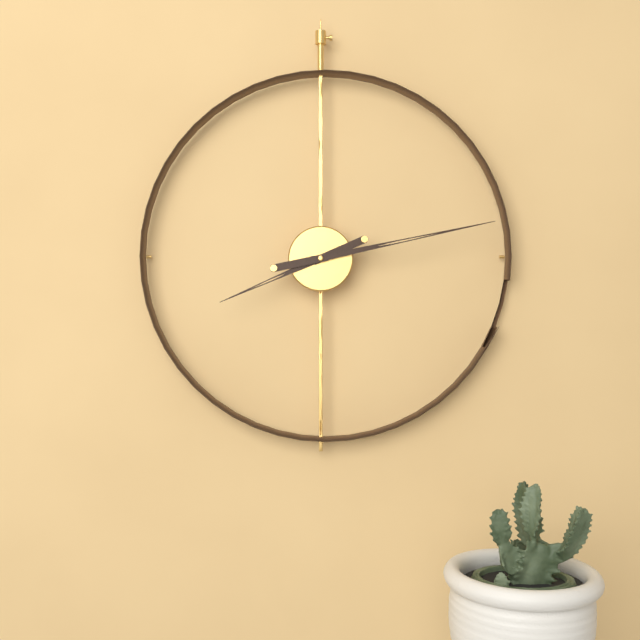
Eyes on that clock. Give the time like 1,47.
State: 8,13
